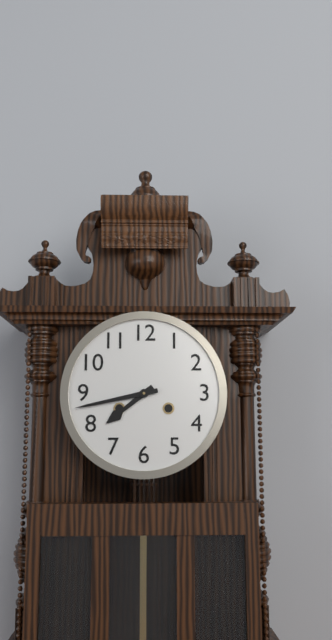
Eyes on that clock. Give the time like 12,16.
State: 7,43
